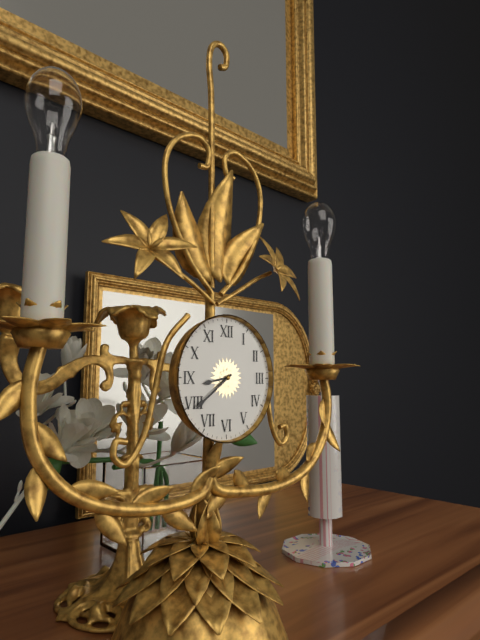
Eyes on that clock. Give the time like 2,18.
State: 8,39
